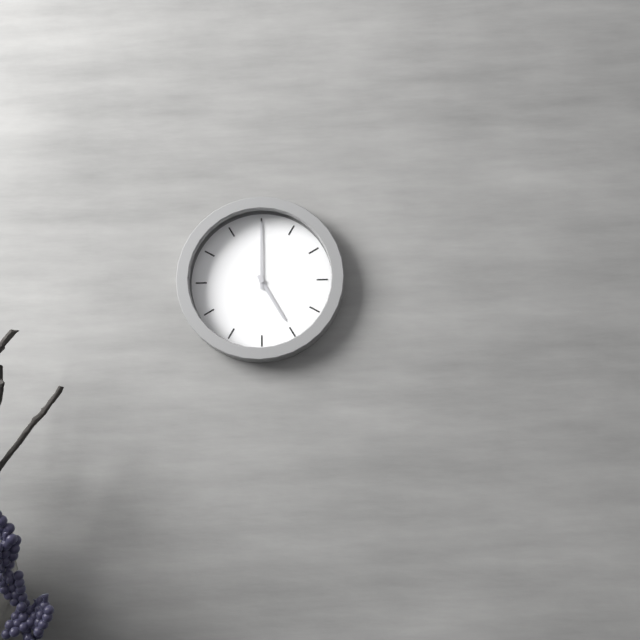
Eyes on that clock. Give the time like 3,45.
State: 5,00
